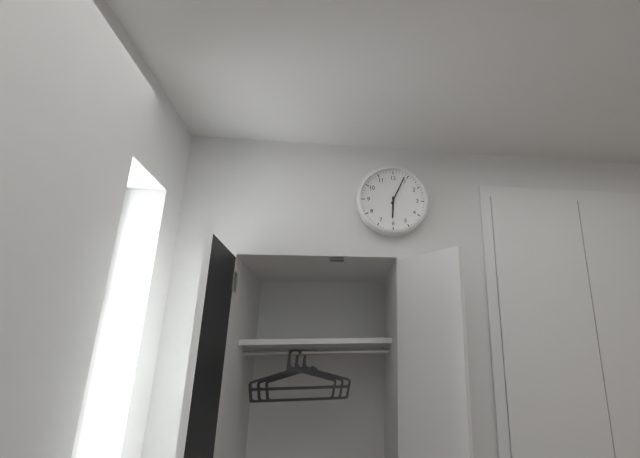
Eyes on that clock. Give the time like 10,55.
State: 6,04
